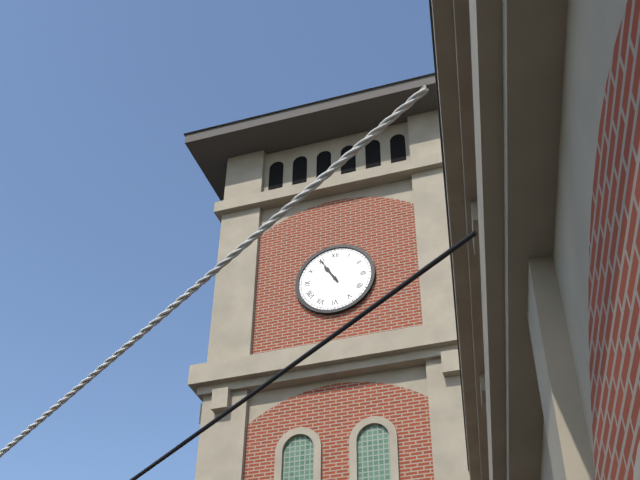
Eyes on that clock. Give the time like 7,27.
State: 10,55
